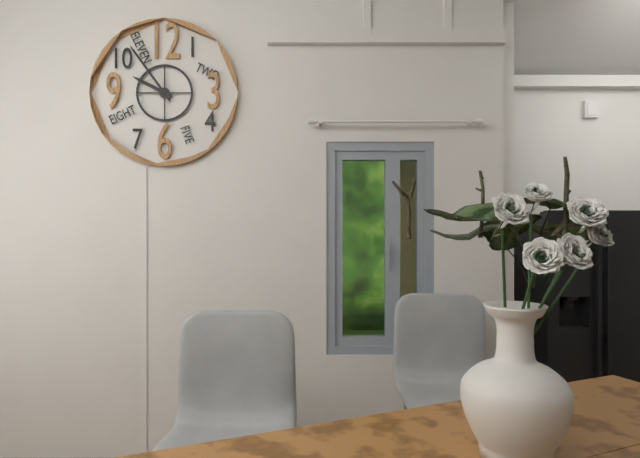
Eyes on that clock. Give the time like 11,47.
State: 9,54
